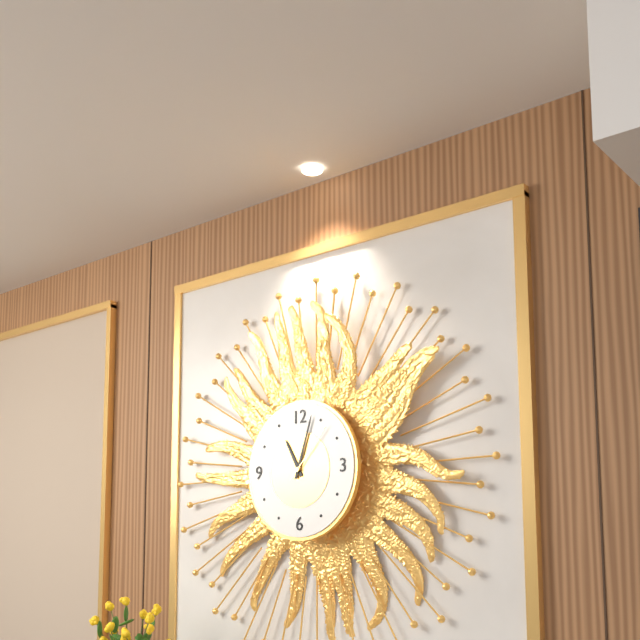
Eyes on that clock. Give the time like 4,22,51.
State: 11,03,07
